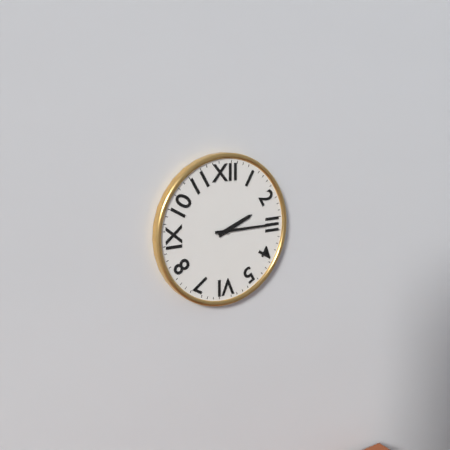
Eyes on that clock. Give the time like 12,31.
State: 2,15
